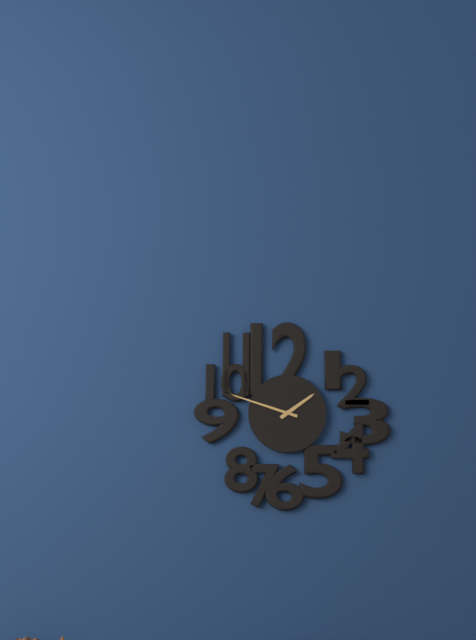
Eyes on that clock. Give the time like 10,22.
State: 1,48
